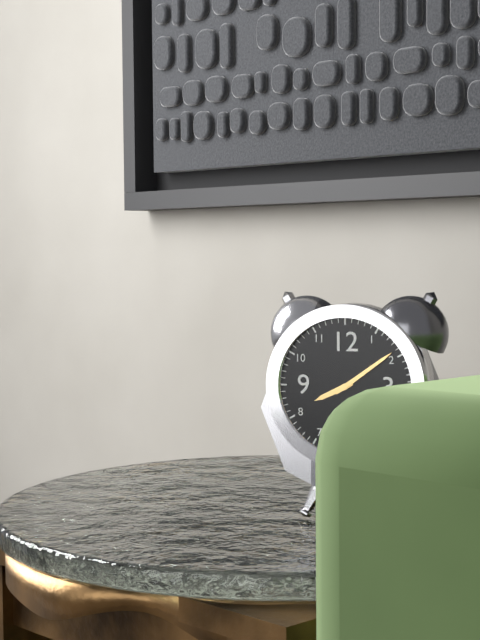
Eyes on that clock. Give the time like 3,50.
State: 8,09
